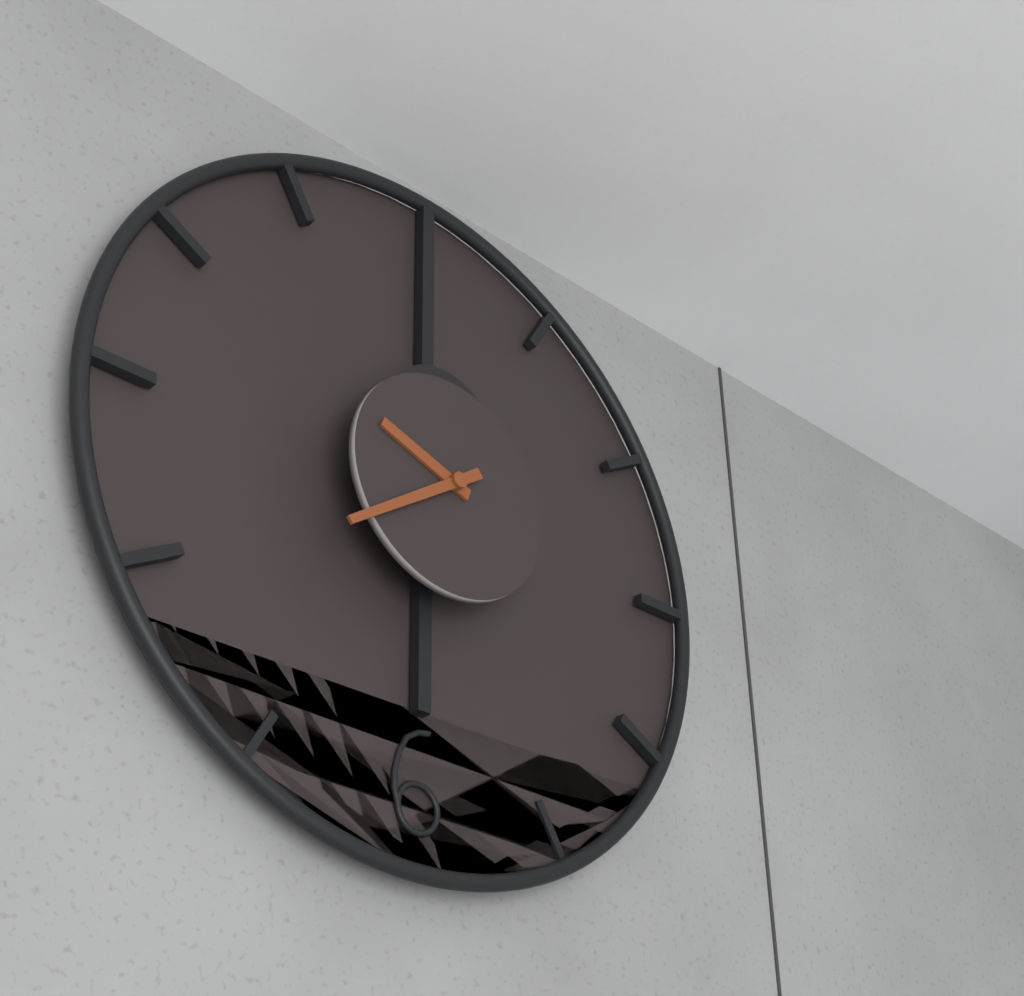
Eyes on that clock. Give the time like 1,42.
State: 9,39
